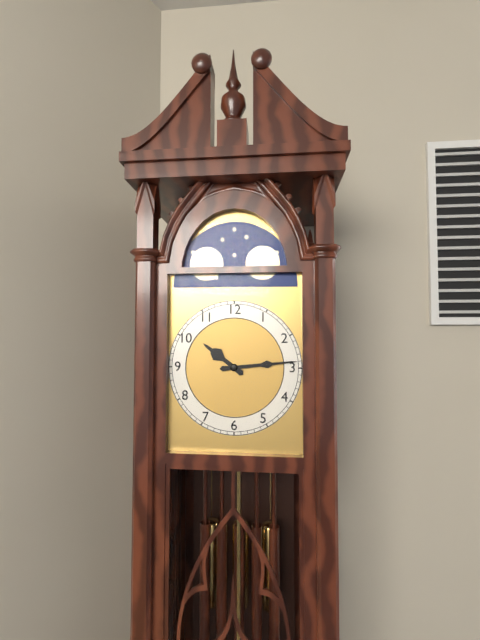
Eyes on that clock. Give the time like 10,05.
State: 10,14
